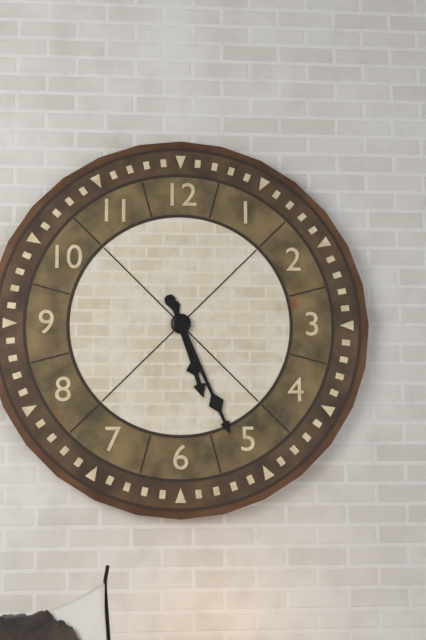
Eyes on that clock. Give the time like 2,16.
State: 5,26
